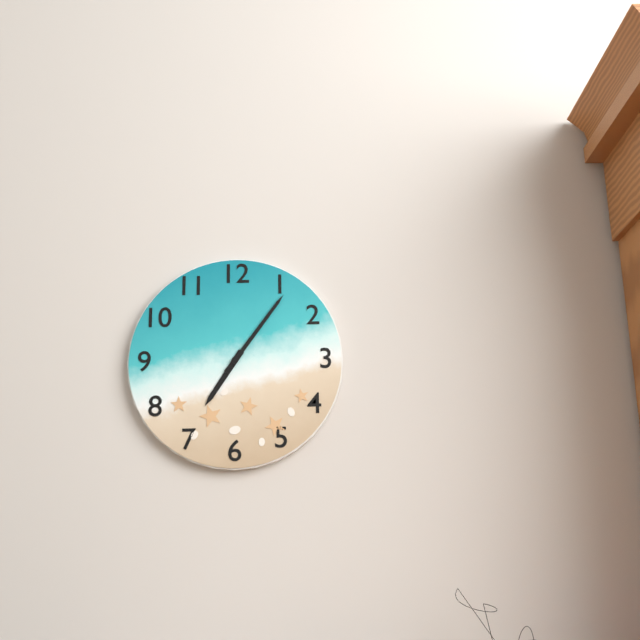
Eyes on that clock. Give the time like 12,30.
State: 7,06
